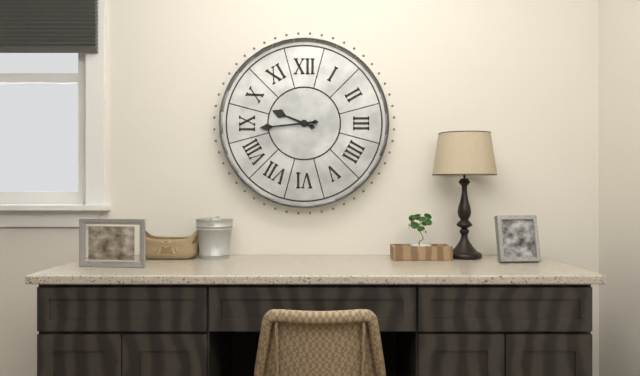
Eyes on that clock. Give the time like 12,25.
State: 9,44
